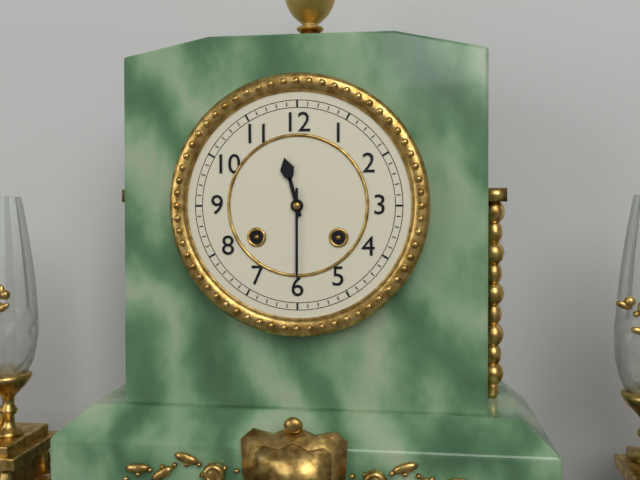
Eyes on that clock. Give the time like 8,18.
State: 11,30
